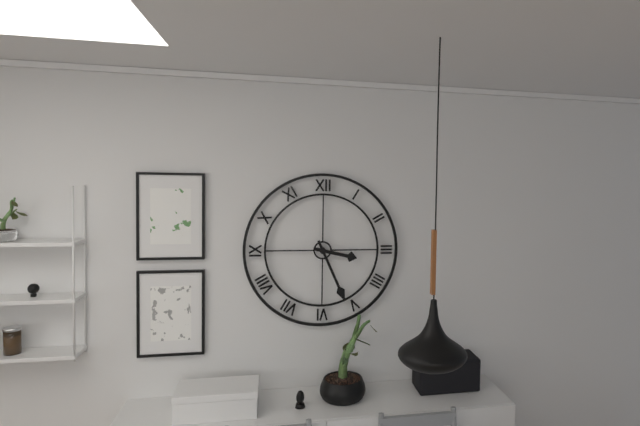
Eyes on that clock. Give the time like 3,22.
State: 3,26
